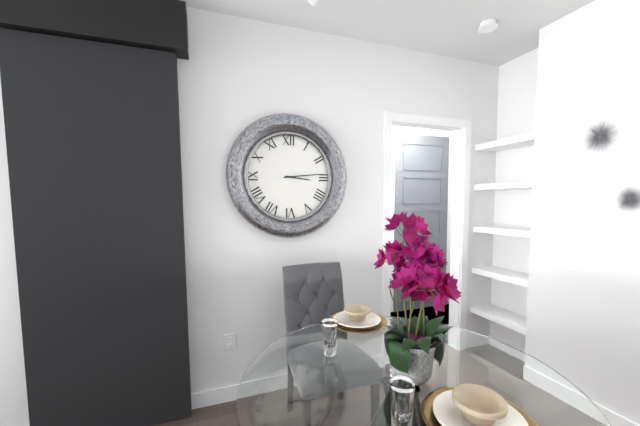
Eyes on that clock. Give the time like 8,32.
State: 3,14
